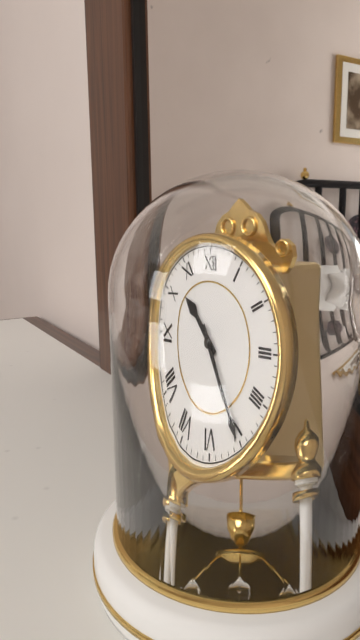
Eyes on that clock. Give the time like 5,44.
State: 10,25
